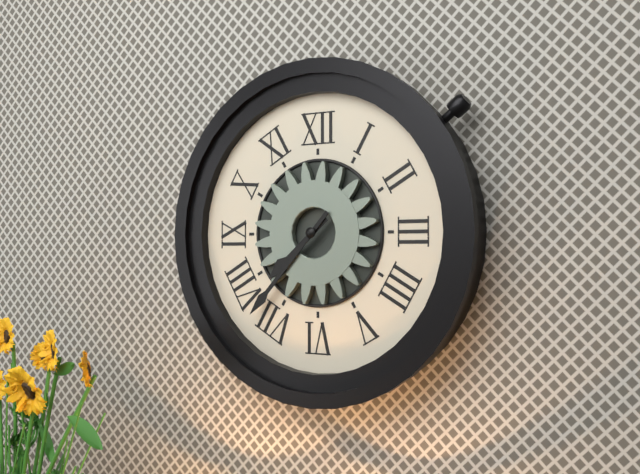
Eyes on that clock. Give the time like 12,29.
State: 7,37
